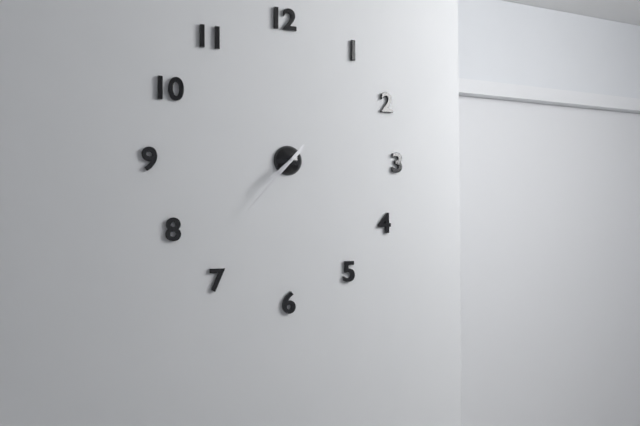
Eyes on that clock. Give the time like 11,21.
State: 7,37
